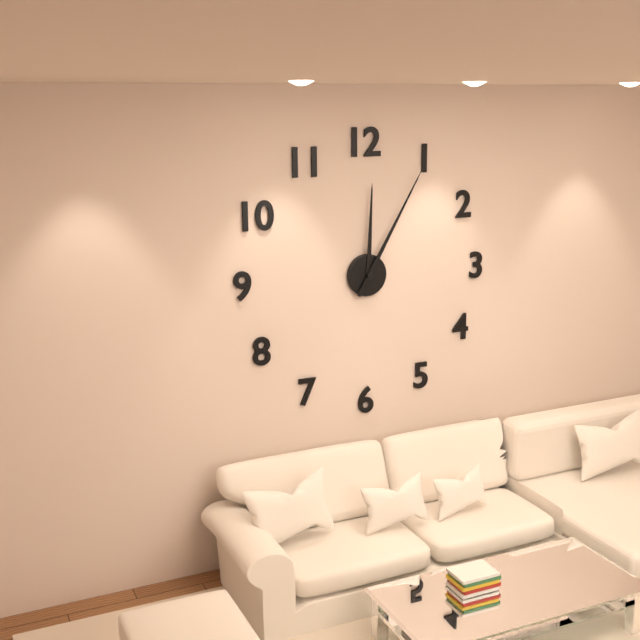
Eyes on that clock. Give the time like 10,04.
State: 12,05
